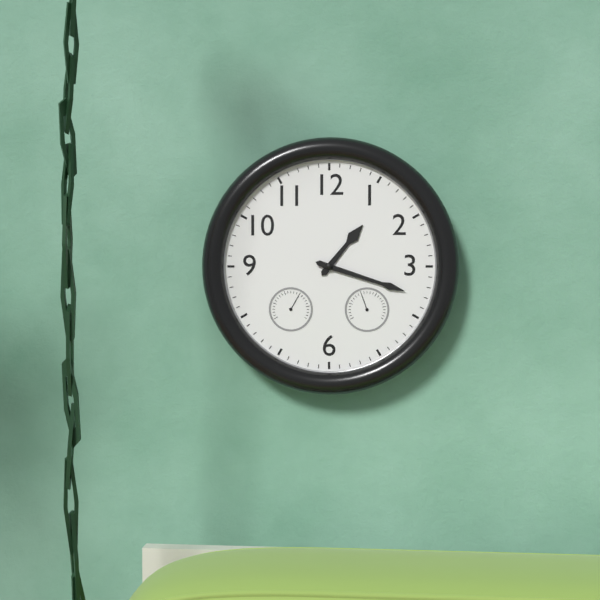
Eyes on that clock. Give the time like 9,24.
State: 1,18
